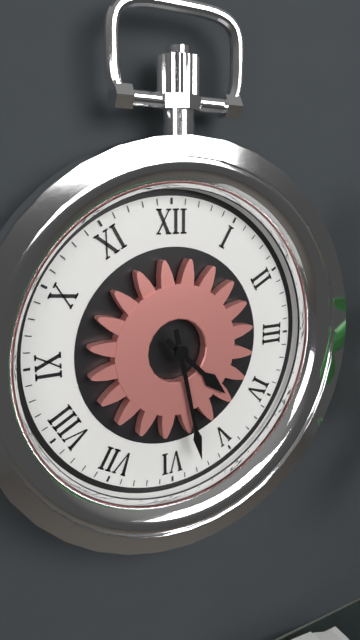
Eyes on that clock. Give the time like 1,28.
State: 4,28
